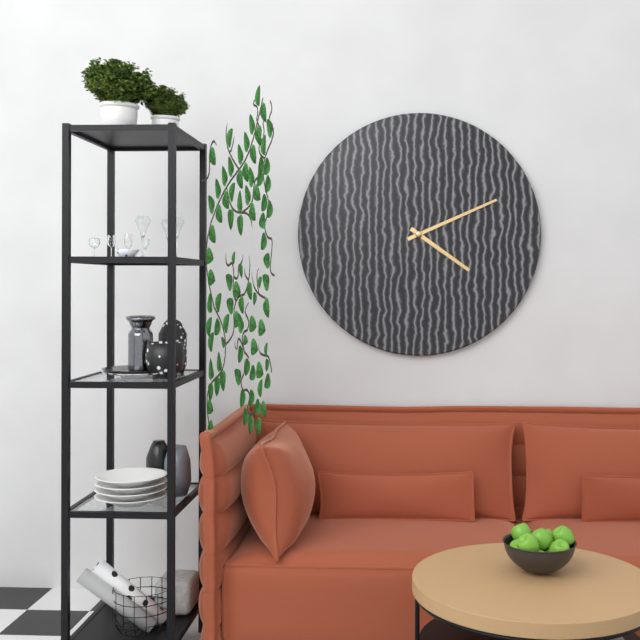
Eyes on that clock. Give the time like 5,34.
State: 4,11
